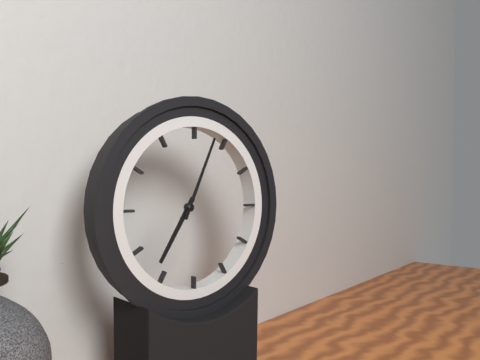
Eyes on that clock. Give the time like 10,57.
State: 7,04
